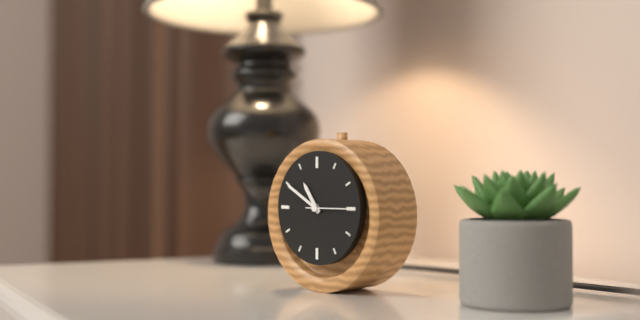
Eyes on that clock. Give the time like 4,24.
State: 10,50
